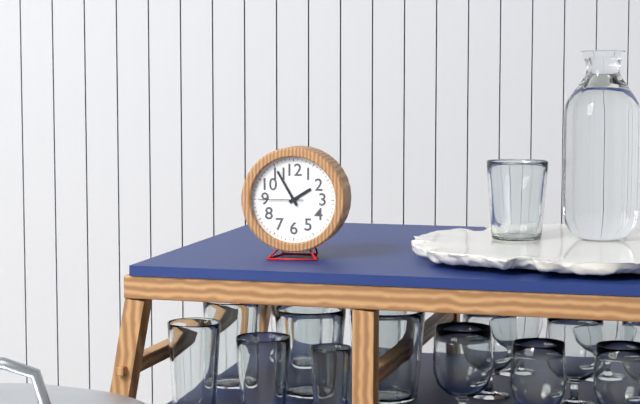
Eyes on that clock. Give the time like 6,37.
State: 1,55
